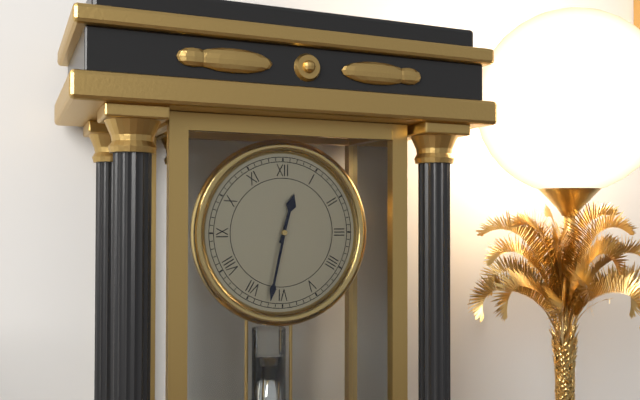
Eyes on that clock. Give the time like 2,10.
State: 12,32
